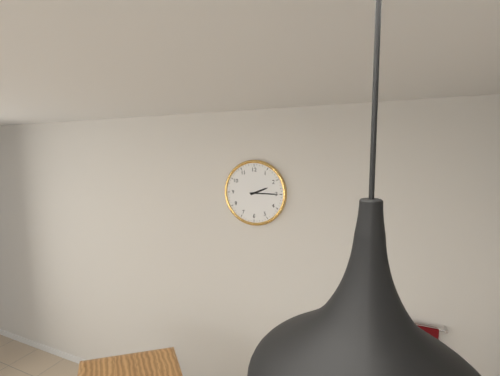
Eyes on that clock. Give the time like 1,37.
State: 2,15
